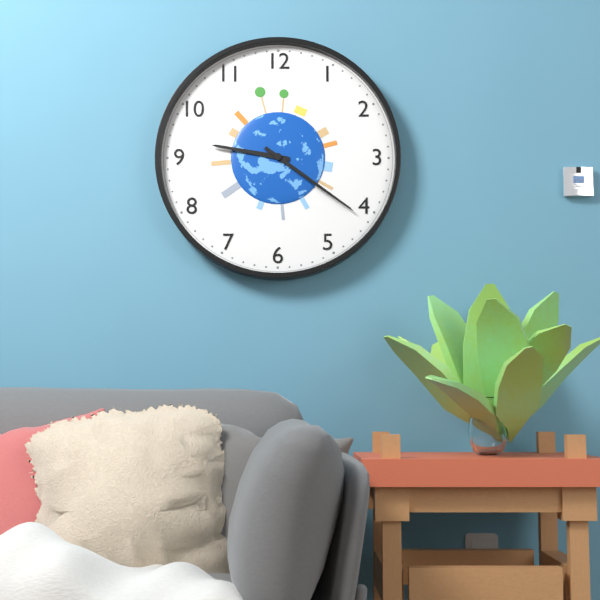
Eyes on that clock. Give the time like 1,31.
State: 9,21
